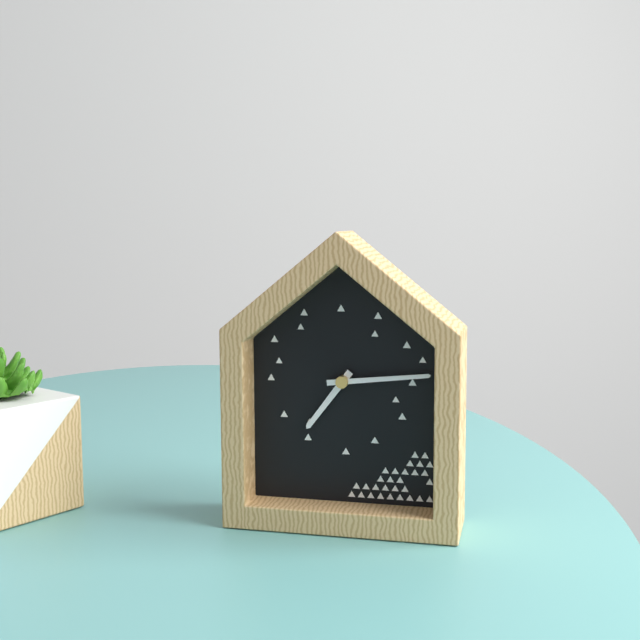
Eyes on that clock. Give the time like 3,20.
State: 7,14
